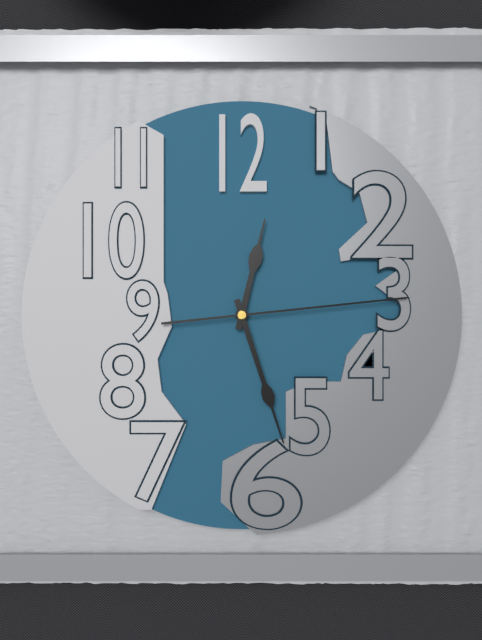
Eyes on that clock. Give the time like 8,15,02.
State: 12,27,14
